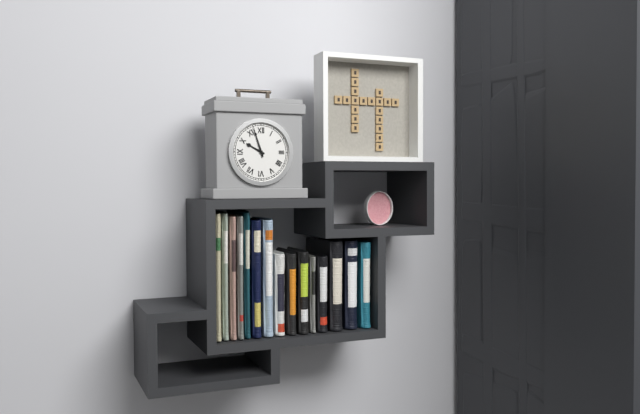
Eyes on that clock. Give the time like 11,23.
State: 9,57
